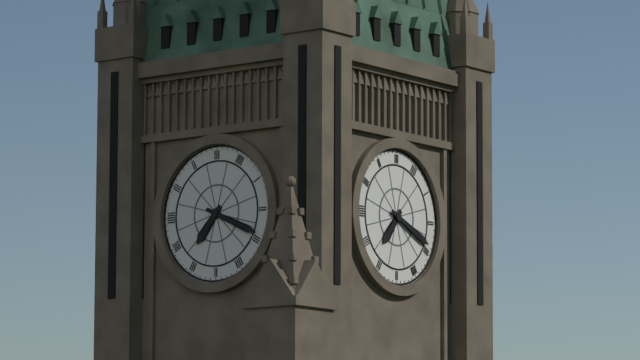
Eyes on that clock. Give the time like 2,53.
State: 7,19
